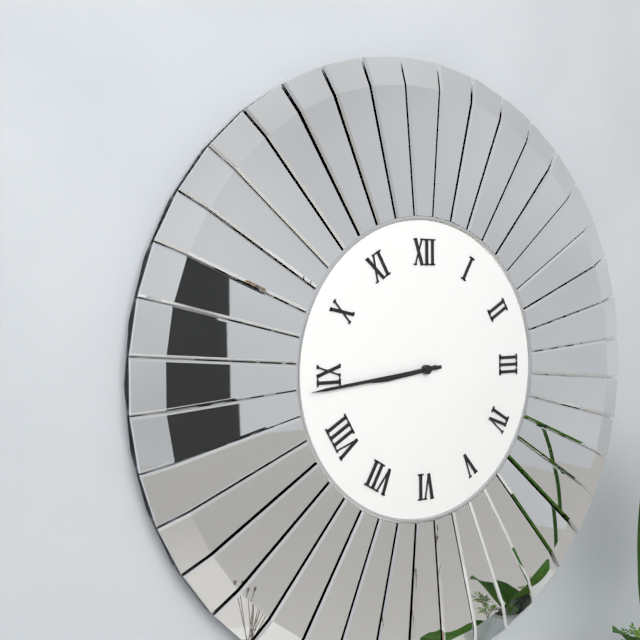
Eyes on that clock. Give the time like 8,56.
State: 8,44
